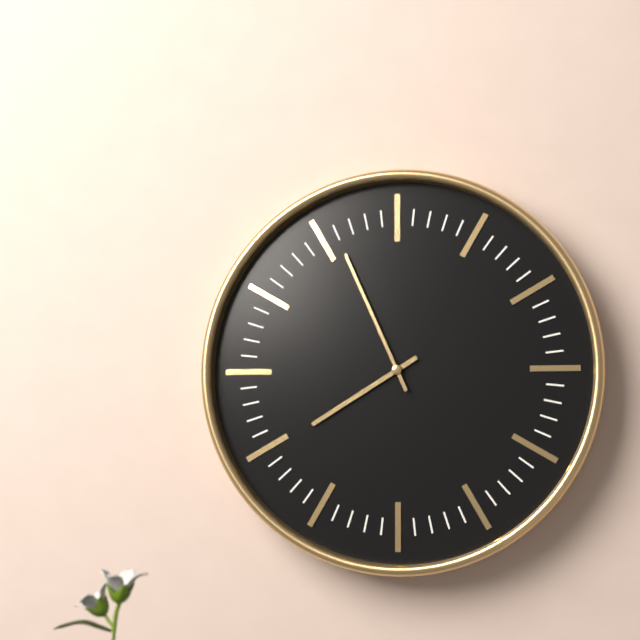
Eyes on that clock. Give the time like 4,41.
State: 7,56
